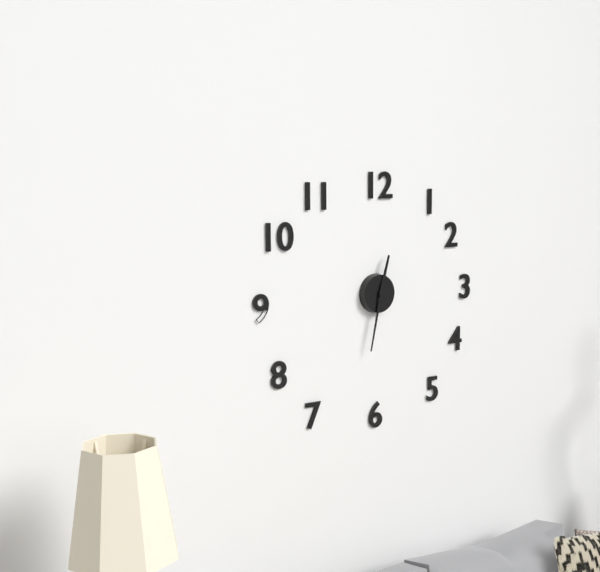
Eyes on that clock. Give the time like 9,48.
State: 12,32
